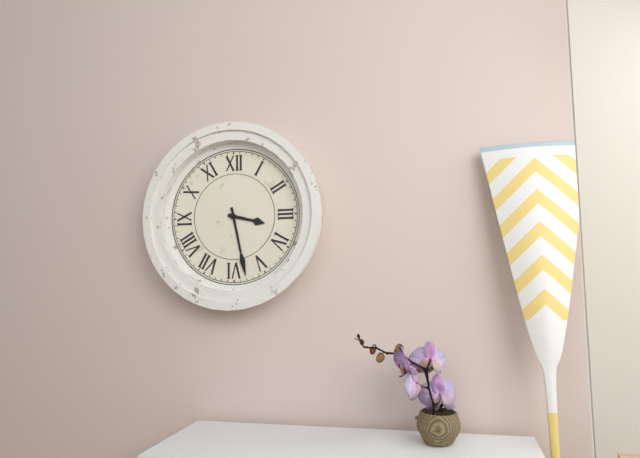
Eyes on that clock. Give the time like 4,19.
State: 3,28
